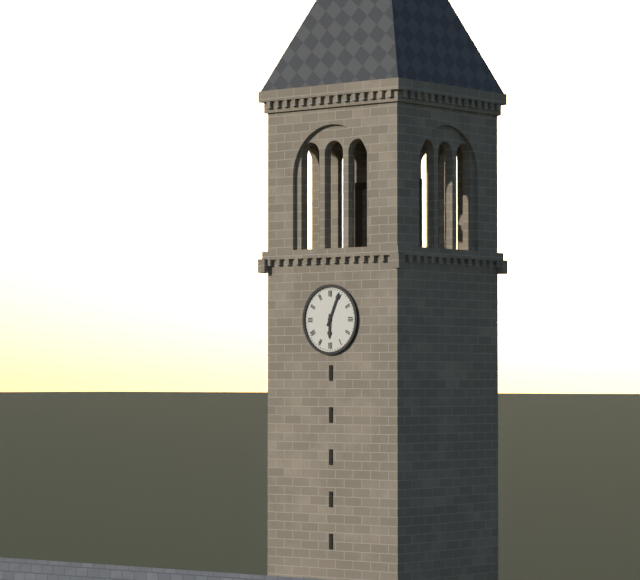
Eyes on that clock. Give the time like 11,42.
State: 6,04
